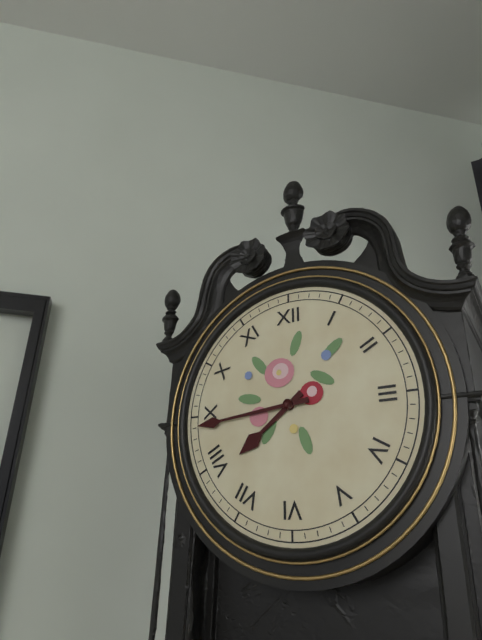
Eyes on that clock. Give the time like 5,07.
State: 7,44
